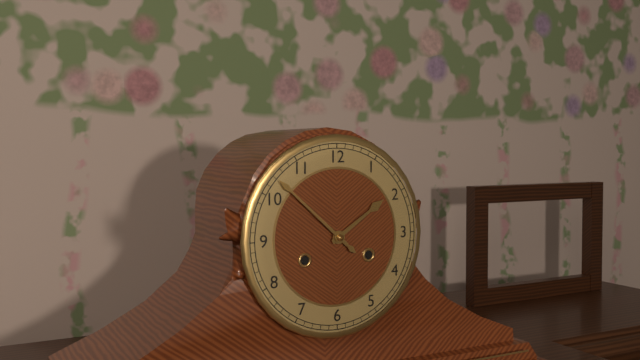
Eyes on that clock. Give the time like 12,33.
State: 1,52
